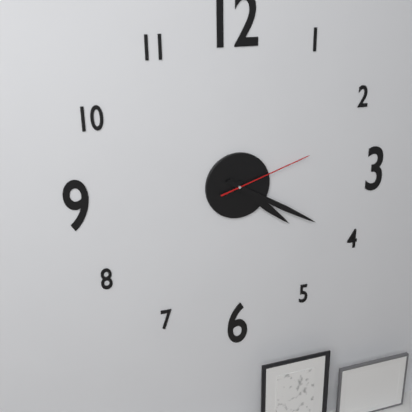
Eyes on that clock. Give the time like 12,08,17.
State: 4,20,12
